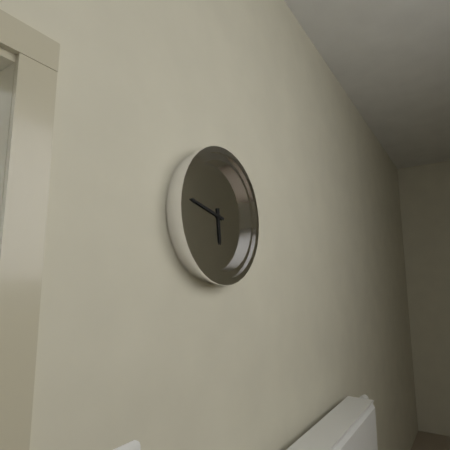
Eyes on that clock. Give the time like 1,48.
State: 5,47
